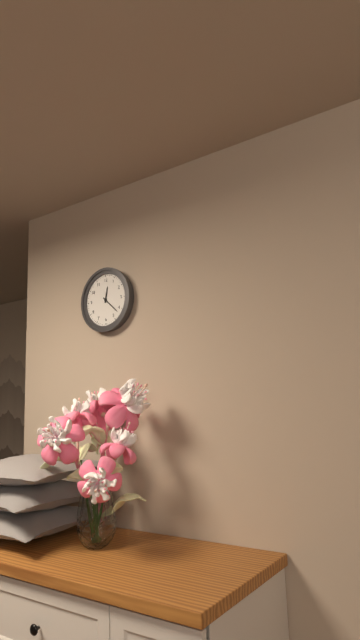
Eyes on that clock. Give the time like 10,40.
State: 12,22
